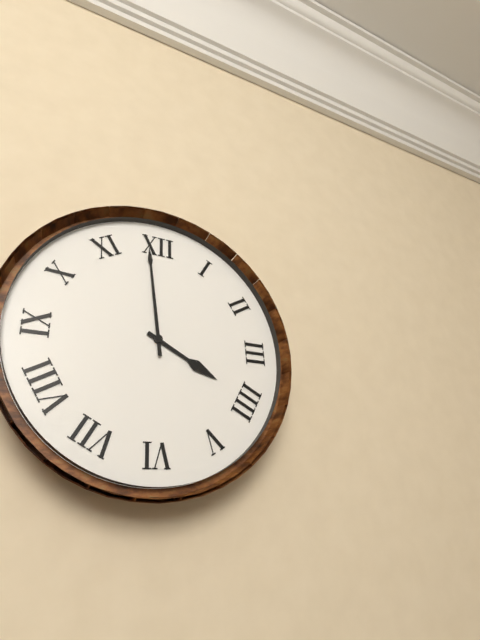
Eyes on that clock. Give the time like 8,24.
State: 3,59
